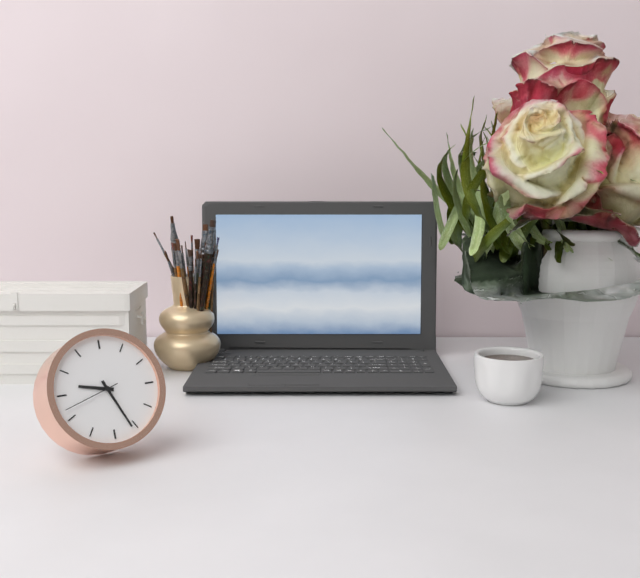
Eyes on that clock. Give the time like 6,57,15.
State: 9,26,42
